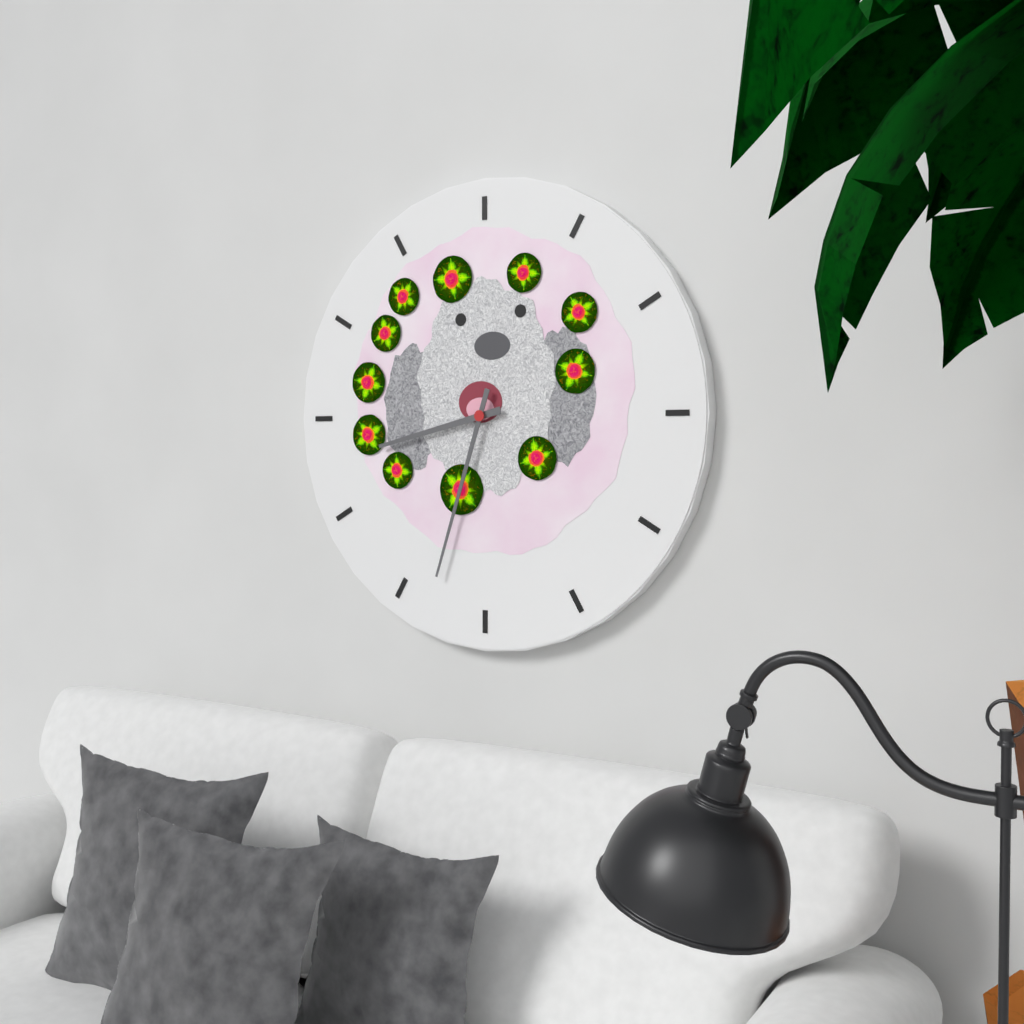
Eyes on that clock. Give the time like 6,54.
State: 8,33
